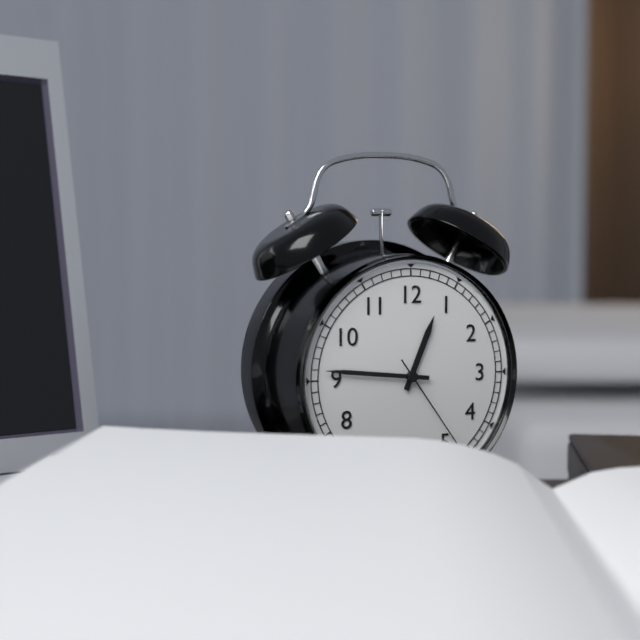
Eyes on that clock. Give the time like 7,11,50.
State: 12,46,24
